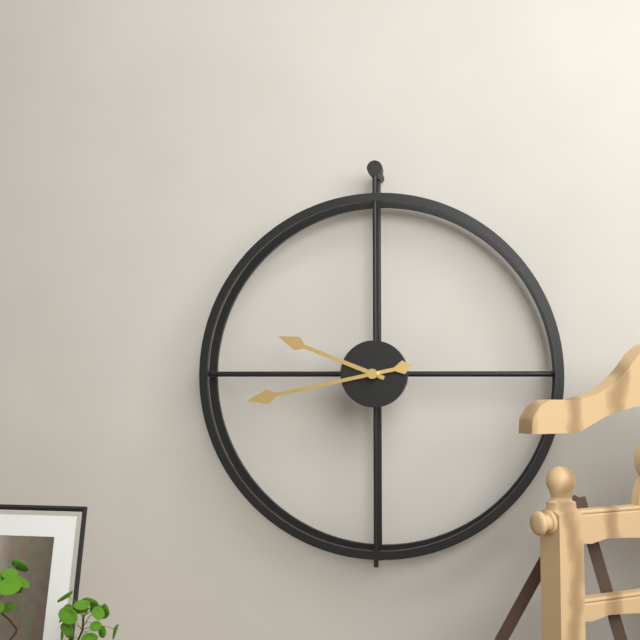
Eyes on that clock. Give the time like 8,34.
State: 9,43
